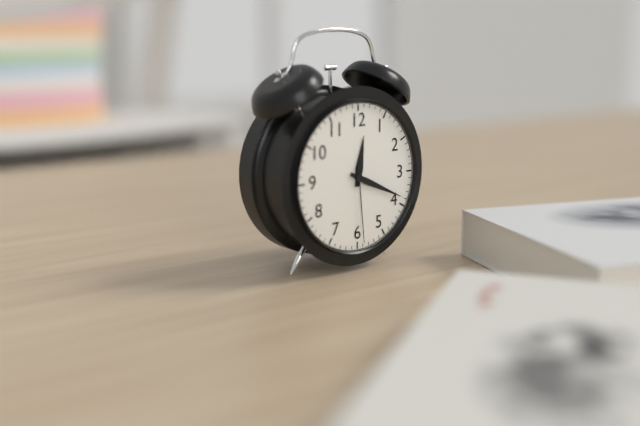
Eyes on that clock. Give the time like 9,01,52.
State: 12,19,29
